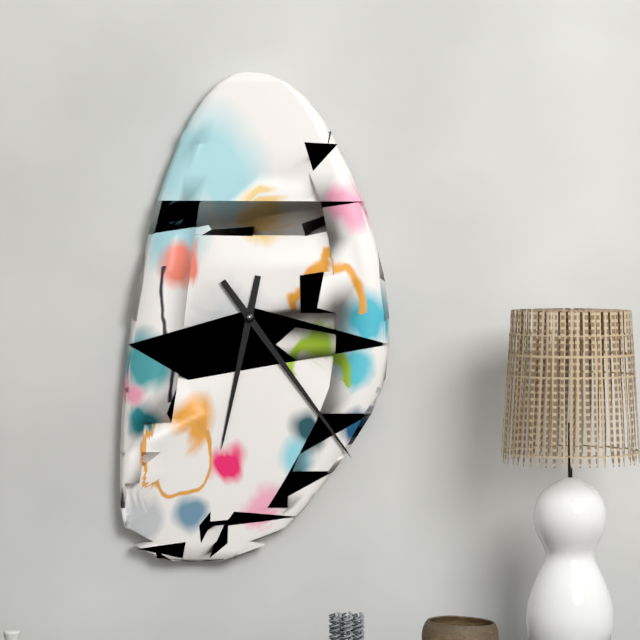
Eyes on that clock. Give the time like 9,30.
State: 6,24
